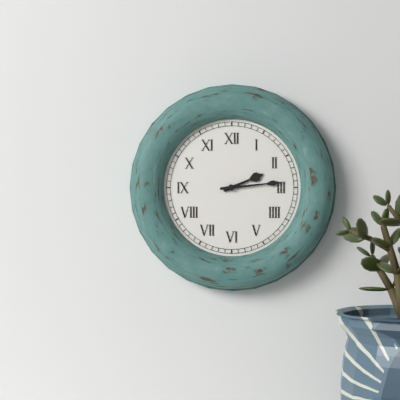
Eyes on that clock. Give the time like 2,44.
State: 2,14
